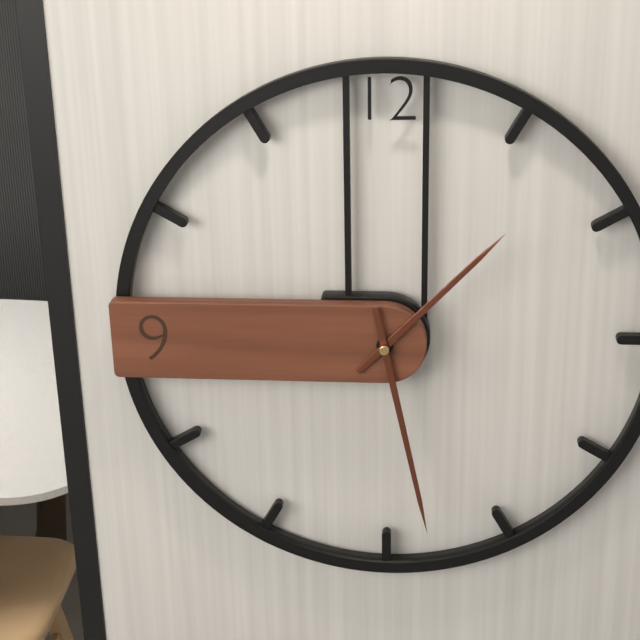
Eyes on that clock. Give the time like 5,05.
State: 1,28
